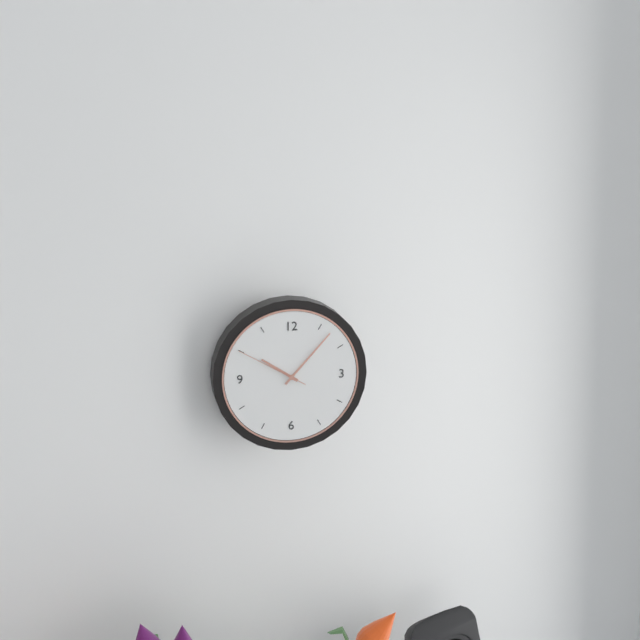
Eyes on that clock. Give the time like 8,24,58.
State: 10,07,50
